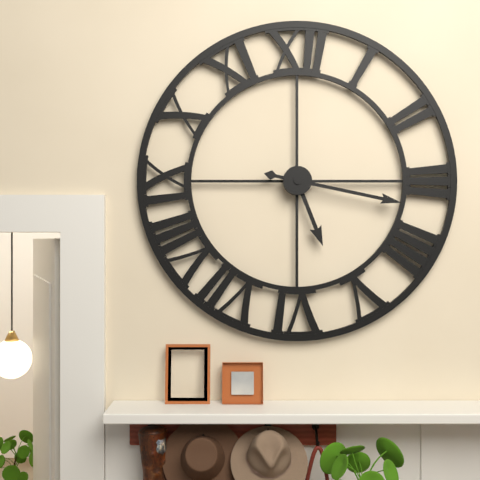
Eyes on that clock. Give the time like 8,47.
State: 5,17
